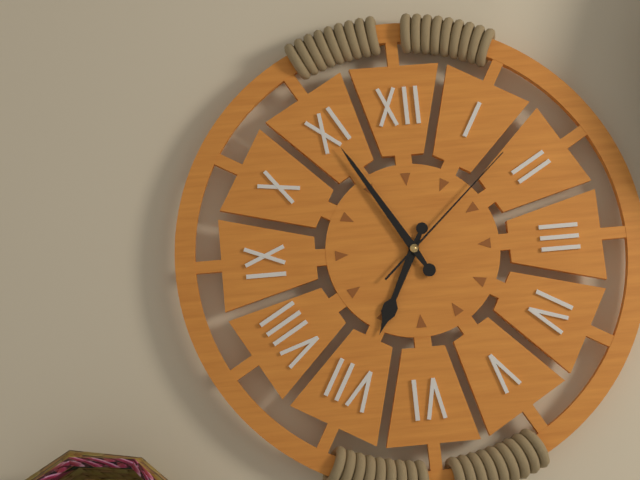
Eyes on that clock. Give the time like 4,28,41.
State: 6,55,08
